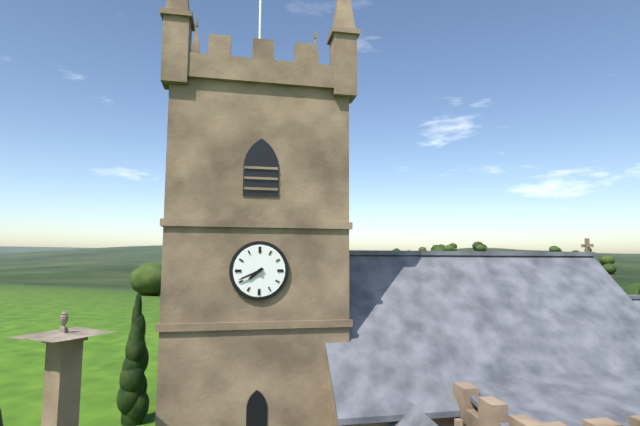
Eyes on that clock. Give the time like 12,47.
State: 7,41
